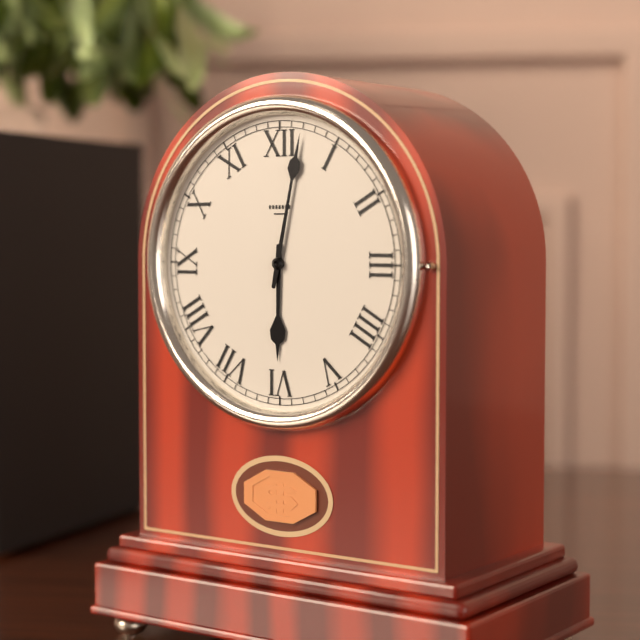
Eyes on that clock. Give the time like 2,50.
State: 6,02
